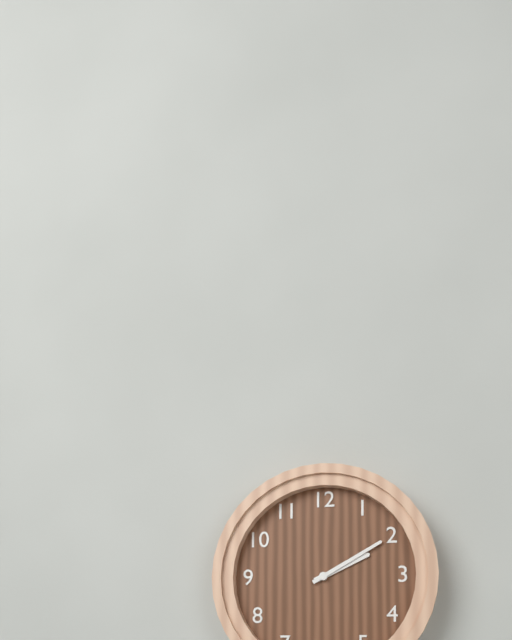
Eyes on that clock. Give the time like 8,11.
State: 2,10
